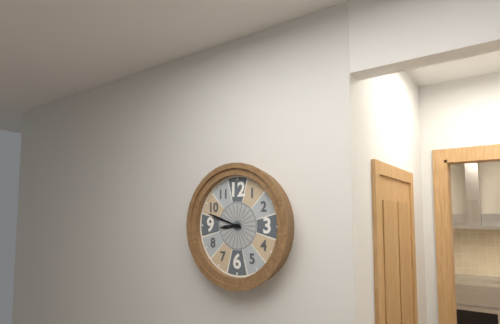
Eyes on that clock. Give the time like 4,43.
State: 8,48
